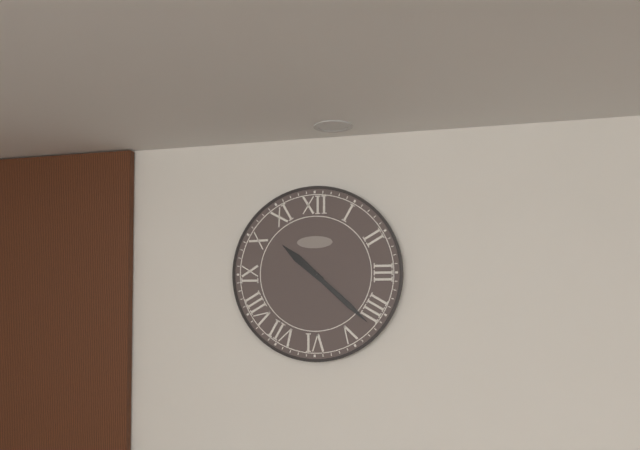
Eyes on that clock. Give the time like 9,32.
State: 10,22
